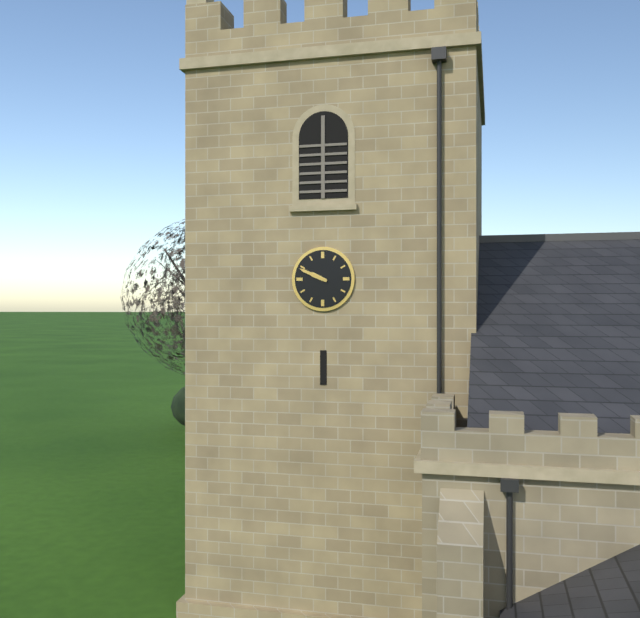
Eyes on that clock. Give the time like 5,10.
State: 9,49
